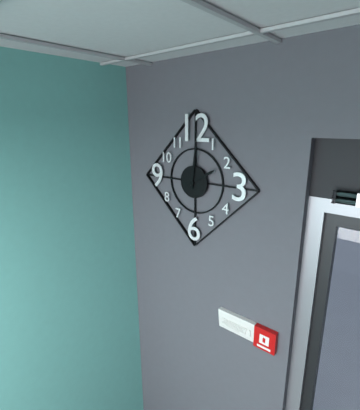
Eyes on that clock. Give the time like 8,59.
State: 2,01
